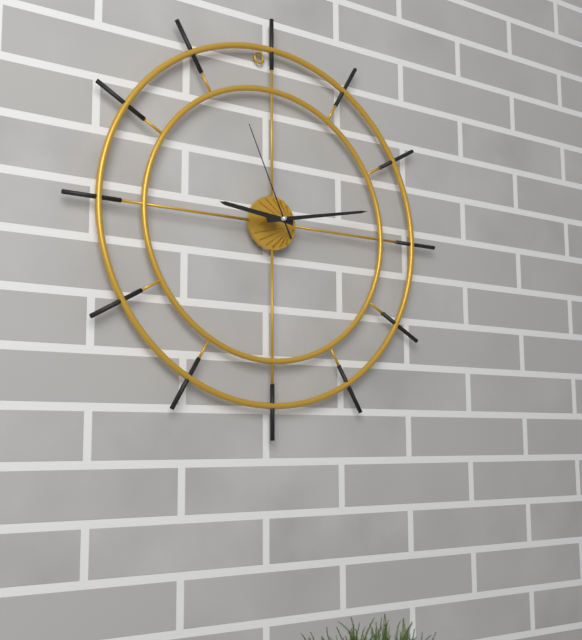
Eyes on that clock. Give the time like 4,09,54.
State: 9,13,56
